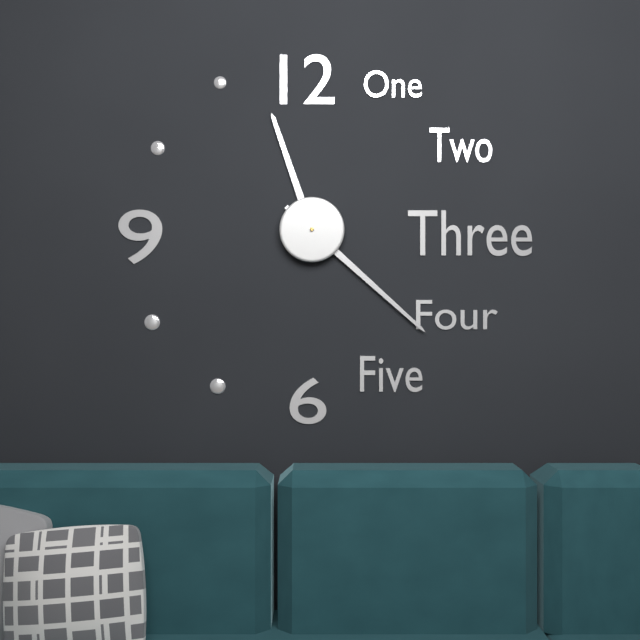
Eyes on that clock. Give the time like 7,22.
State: 11,22
